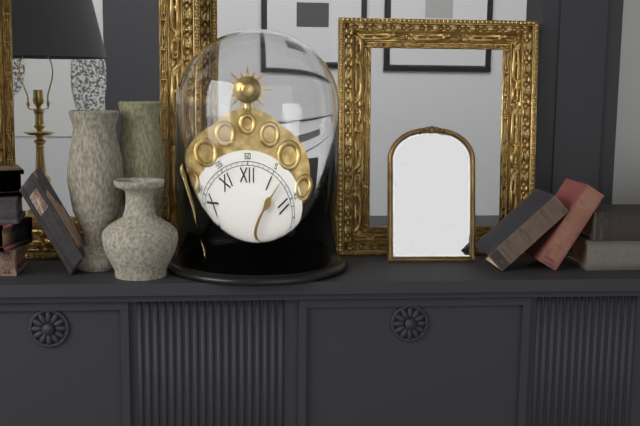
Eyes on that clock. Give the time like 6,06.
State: 9,07
